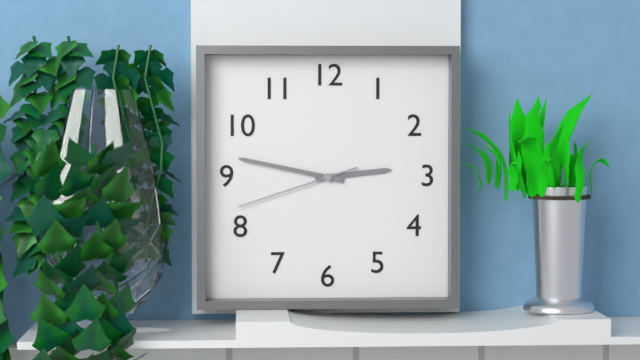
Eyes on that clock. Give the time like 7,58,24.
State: 2,47,42
